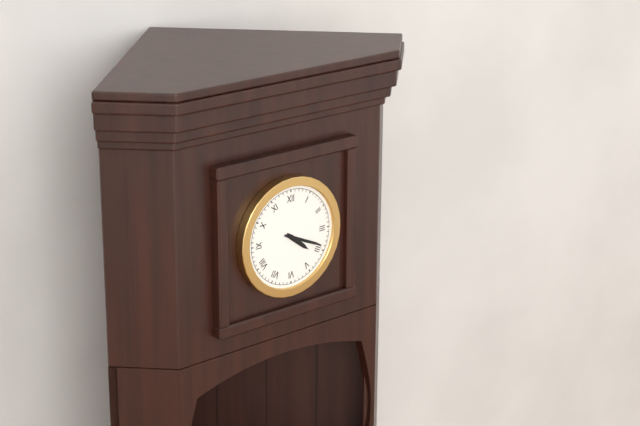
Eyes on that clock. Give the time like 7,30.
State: 4,19
